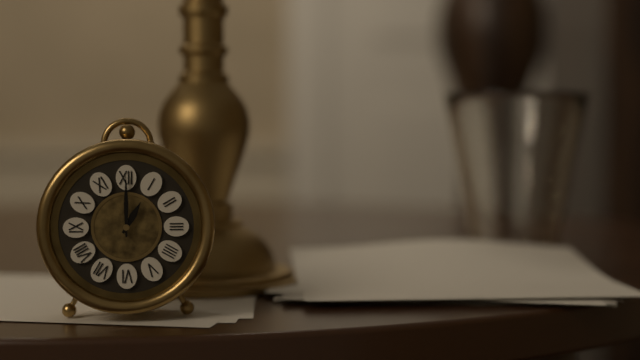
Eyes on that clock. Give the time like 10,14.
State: 1,00
